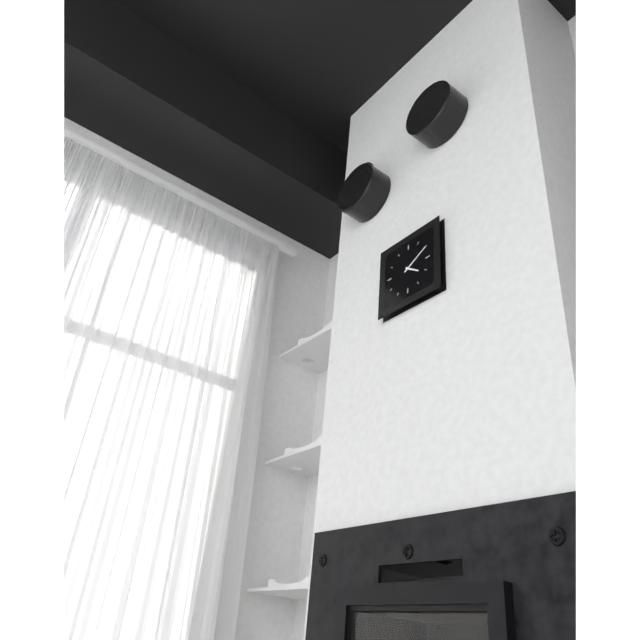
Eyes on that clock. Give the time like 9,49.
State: 4,10
